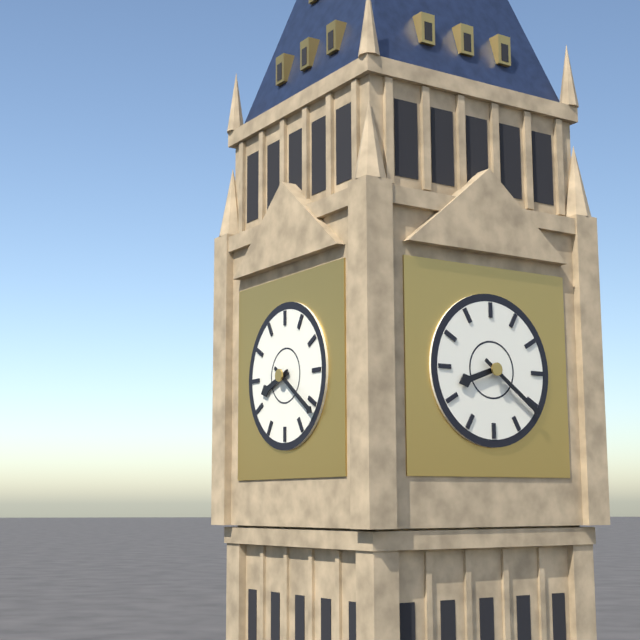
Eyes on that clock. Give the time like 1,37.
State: 8,21
